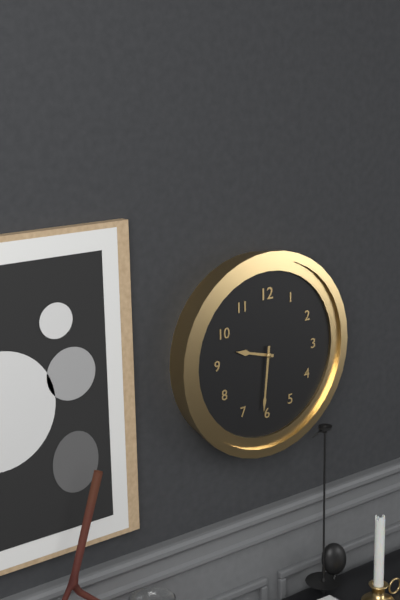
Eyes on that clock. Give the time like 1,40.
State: 9,31
